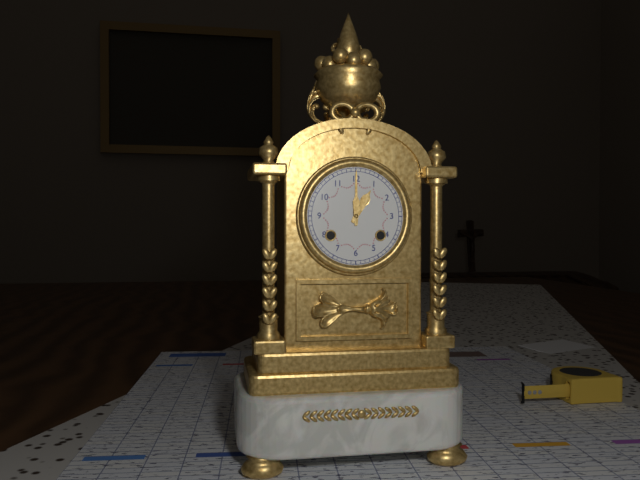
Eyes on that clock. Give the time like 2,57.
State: 1,00
